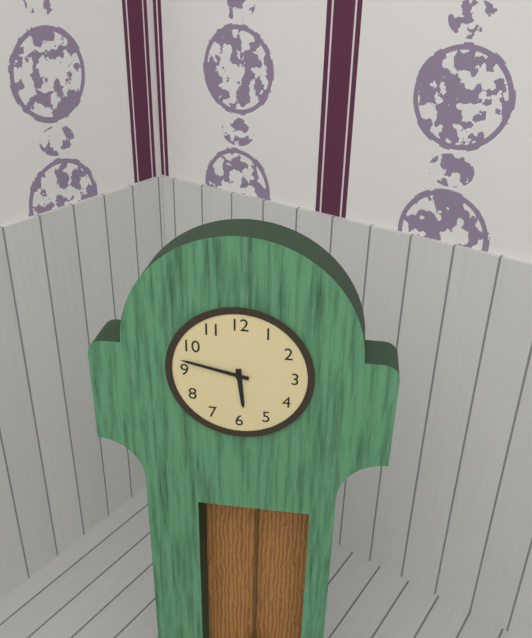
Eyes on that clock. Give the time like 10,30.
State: 5,47
